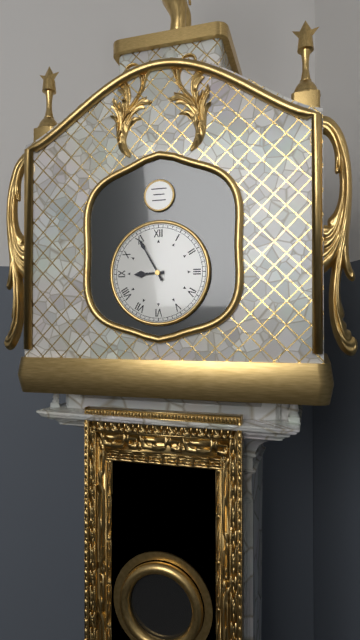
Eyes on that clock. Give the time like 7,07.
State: 8,55
